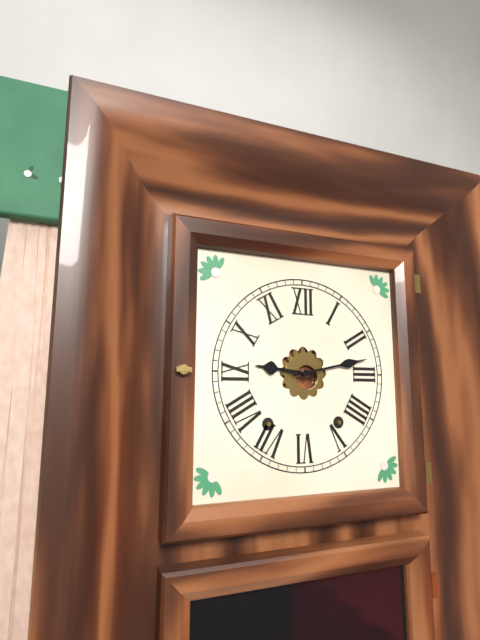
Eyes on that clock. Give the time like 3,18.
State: 9,13
